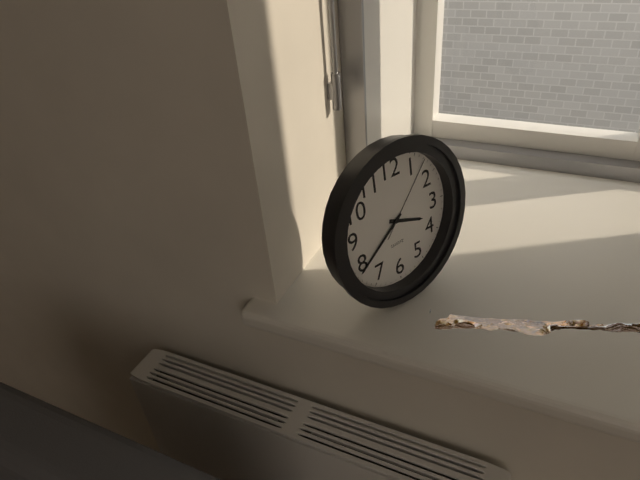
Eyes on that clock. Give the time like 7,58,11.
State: 3,39,07
